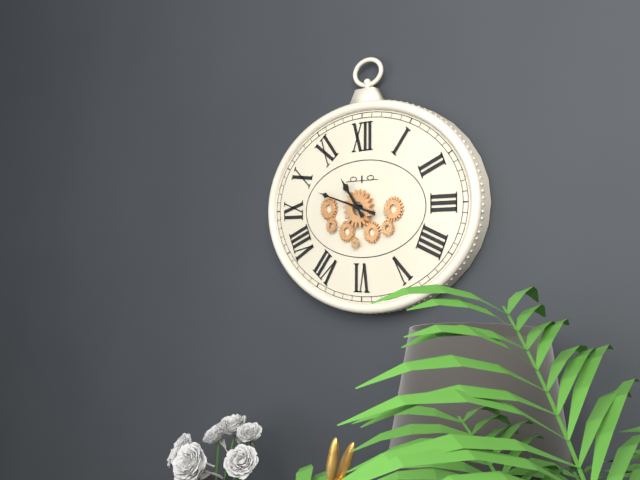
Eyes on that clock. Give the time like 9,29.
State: 10,48
